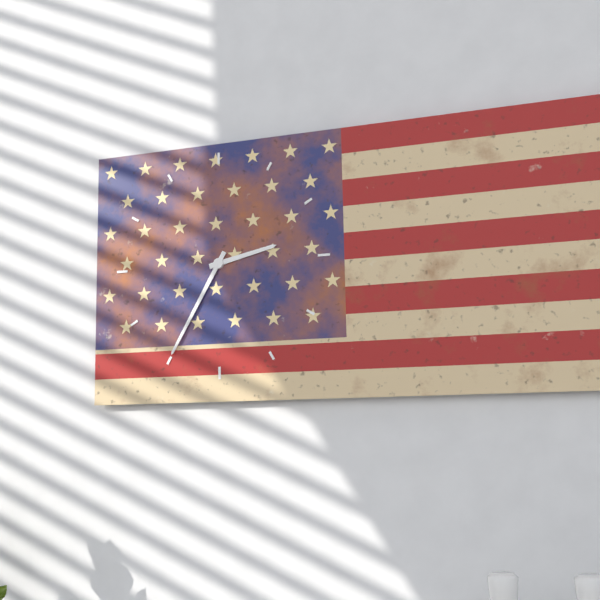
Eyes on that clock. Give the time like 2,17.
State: 2,35
